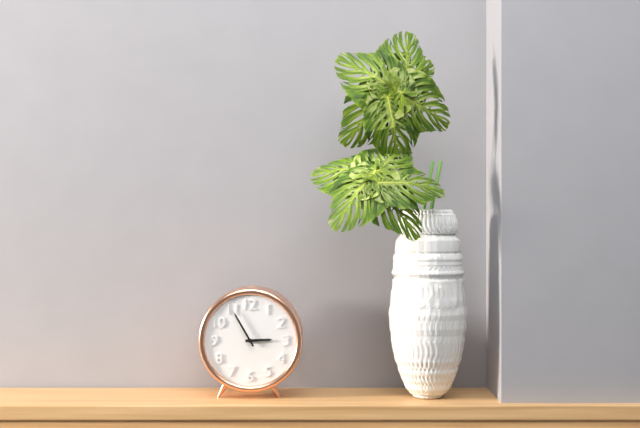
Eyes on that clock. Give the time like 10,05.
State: 2,55
